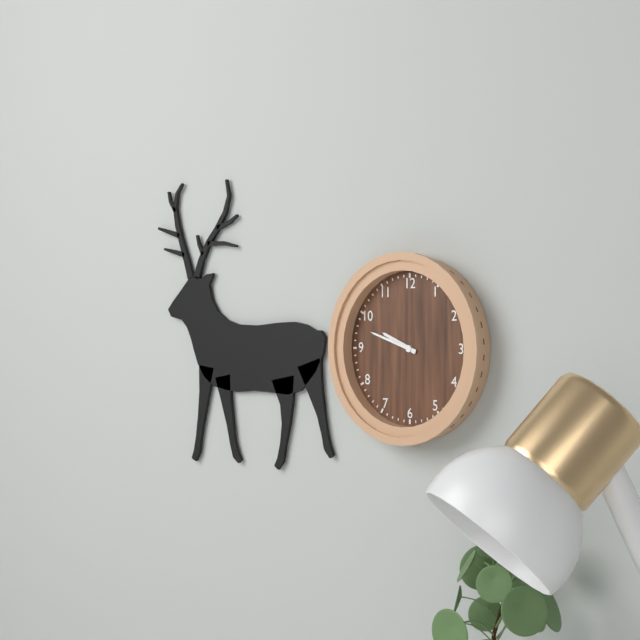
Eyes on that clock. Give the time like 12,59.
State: 9,48
